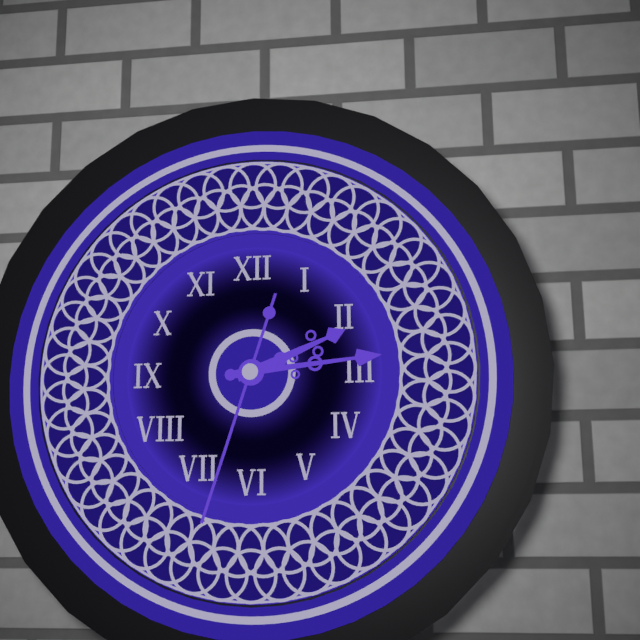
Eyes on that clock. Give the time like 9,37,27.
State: 2,14,33
